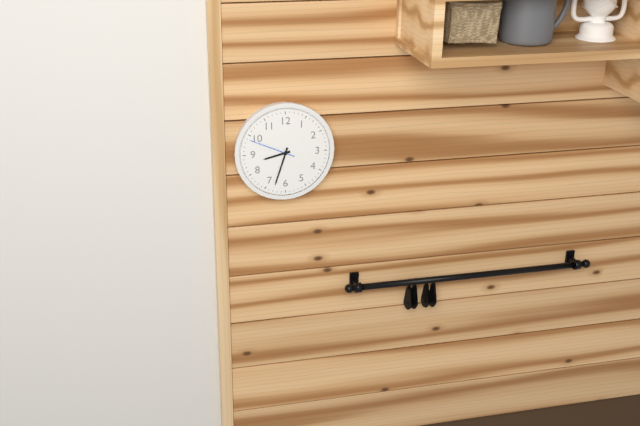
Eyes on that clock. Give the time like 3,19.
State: 8,33
